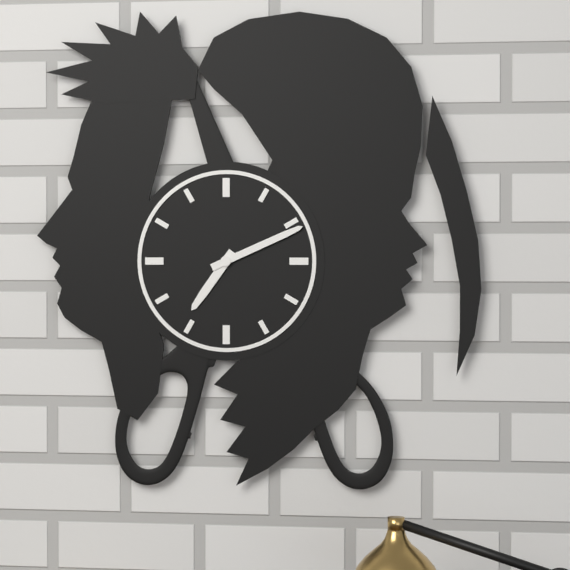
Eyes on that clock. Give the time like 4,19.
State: 7,11
